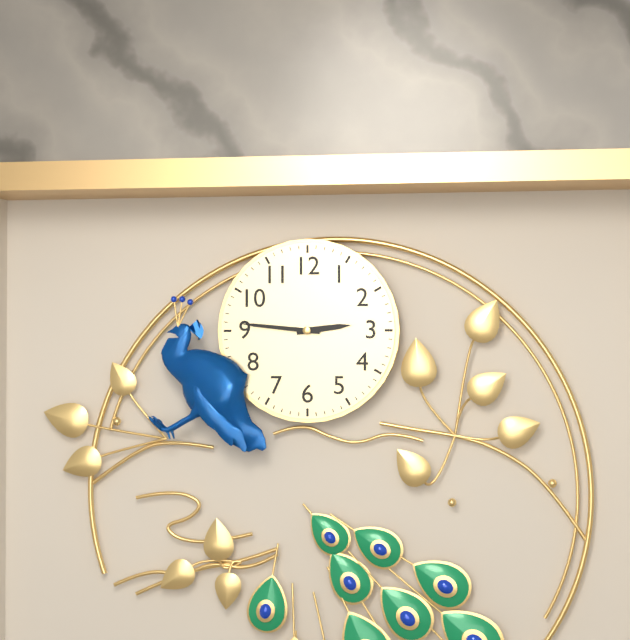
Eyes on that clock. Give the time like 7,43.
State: 2,46
